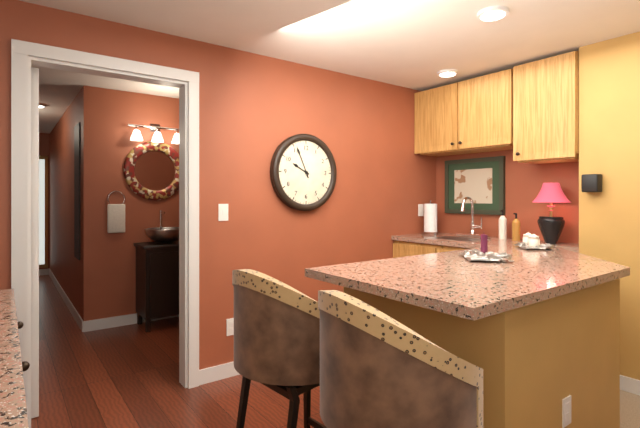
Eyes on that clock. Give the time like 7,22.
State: 9,56
